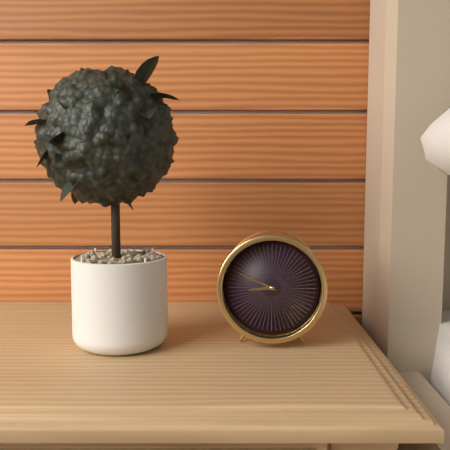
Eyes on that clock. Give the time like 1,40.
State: 8,49
